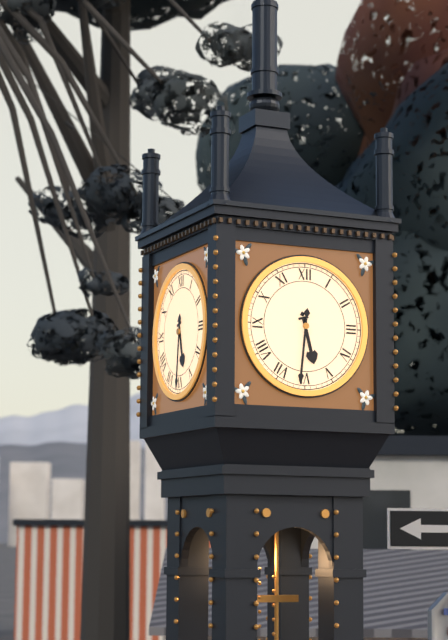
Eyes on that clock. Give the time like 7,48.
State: 5,31
